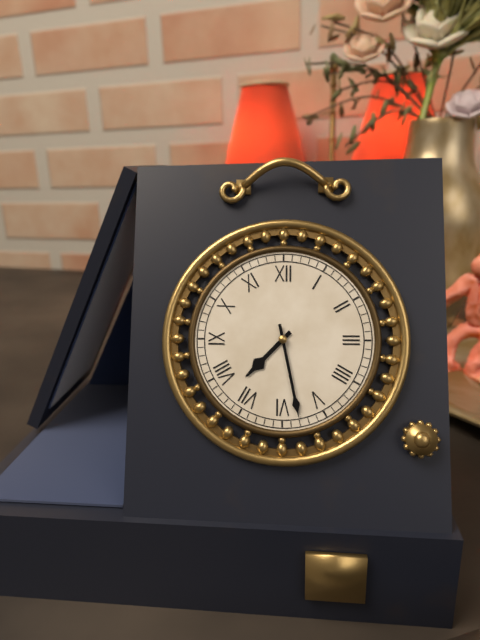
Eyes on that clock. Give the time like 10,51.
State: 7,28
